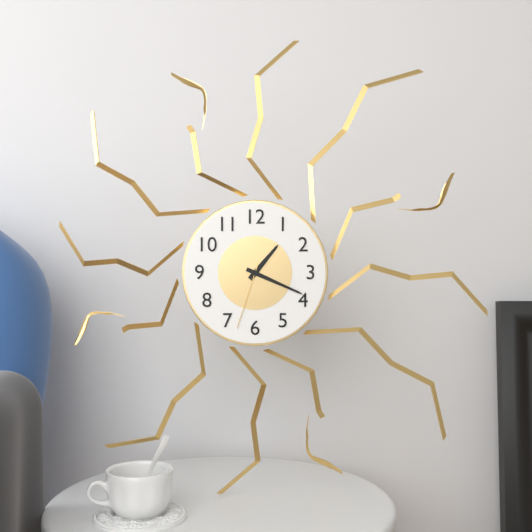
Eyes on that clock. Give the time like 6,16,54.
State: 1,19,33
